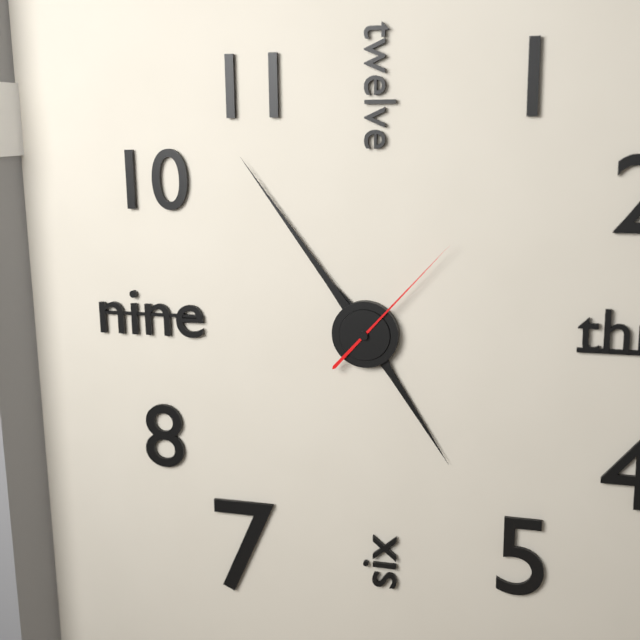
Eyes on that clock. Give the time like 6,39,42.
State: 4,54,07
